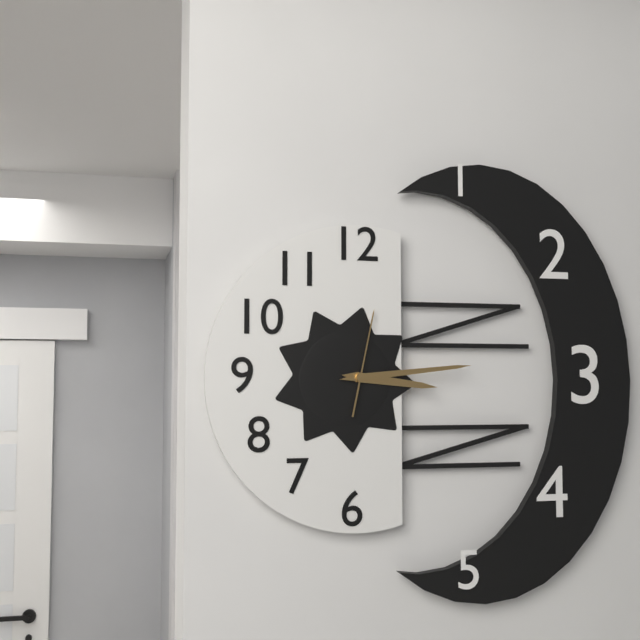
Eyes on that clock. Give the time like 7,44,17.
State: 3,14,02
